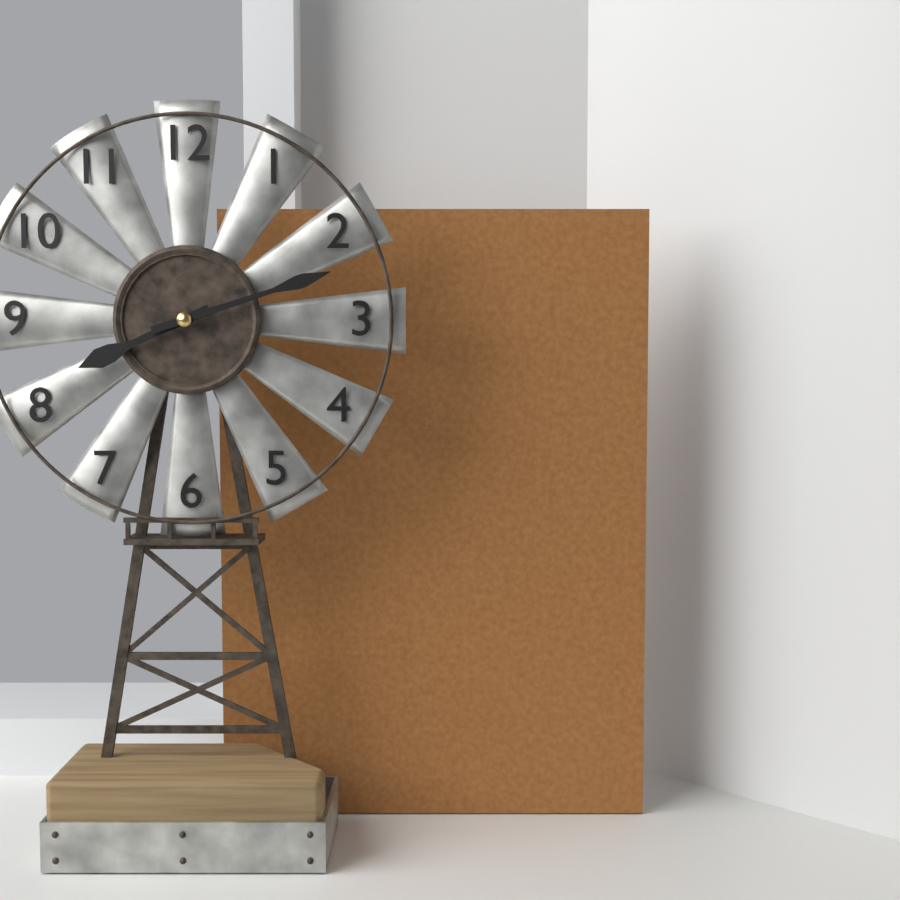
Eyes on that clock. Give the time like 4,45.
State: 8,12
